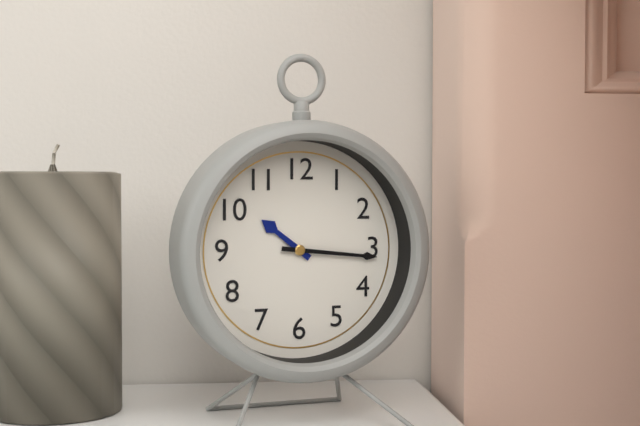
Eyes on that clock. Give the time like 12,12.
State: 10,16
